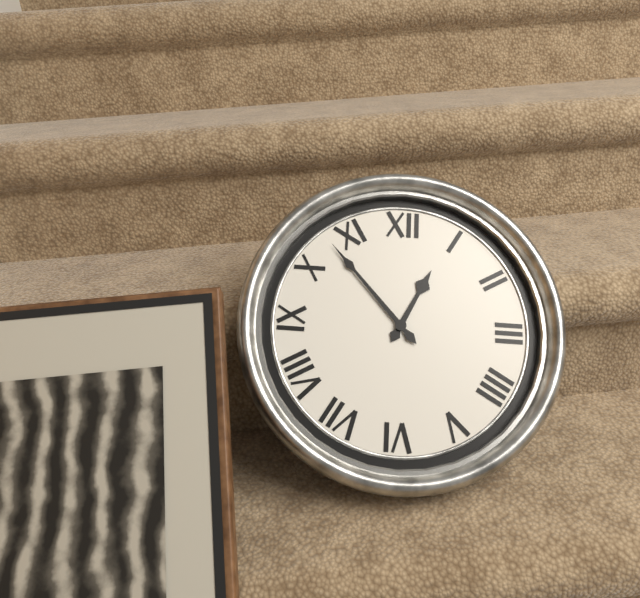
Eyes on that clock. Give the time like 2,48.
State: 12,53
